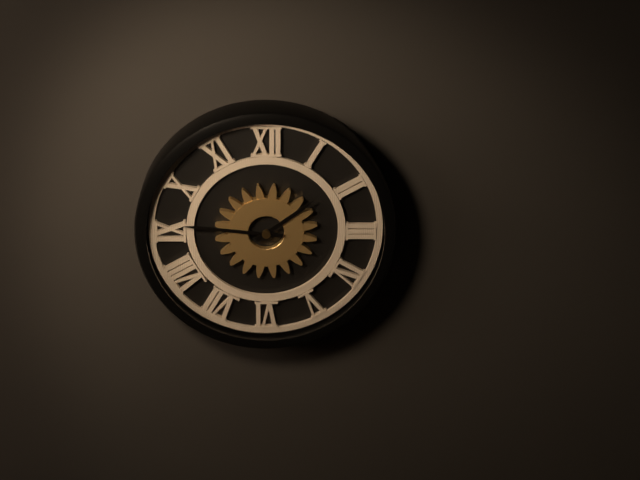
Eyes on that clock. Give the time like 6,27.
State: 1,46
